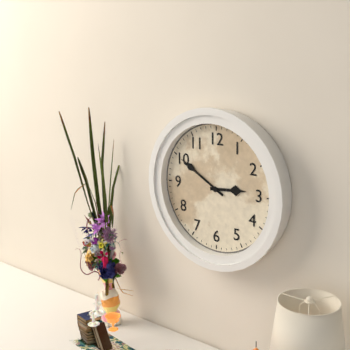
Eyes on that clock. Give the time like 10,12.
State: 2,50
